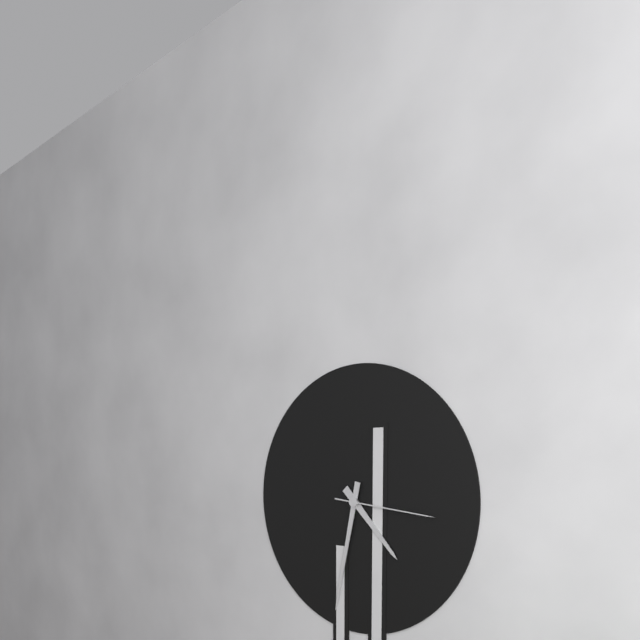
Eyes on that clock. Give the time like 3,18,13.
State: 4,32,16
